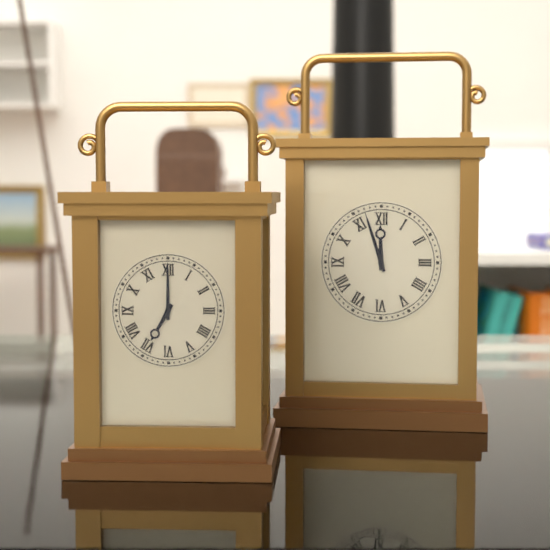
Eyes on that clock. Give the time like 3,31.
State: 11,57
